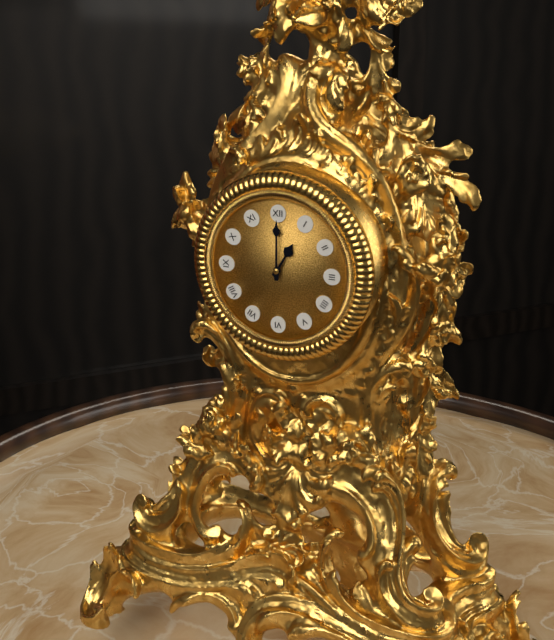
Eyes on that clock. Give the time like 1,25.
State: 1,00
